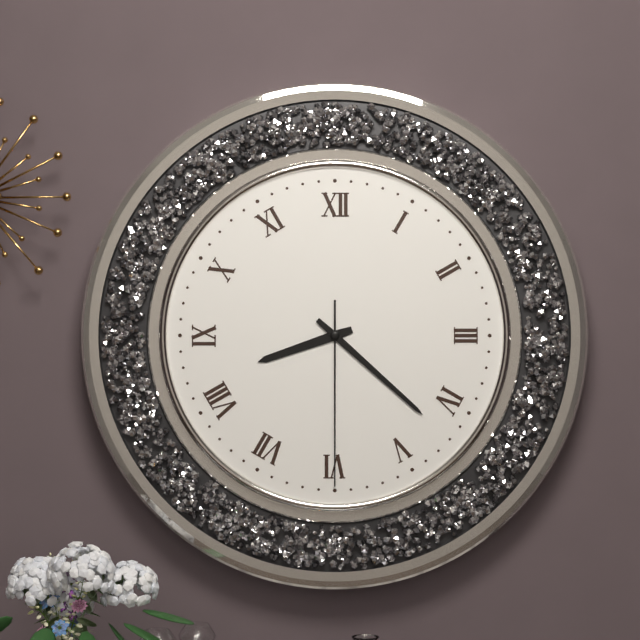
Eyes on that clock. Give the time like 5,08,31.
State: 8,22,30
